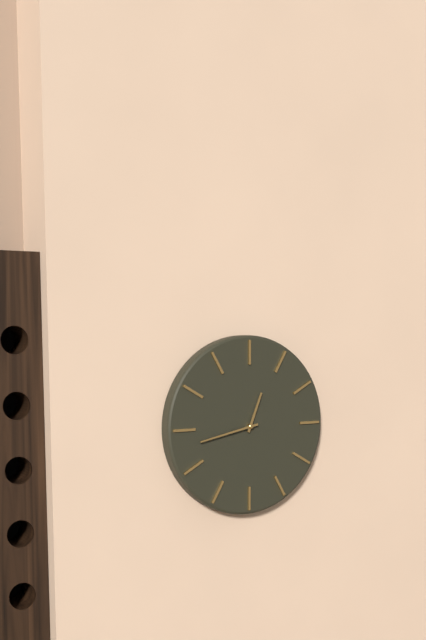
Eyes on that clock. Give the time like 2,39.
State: 12,43
